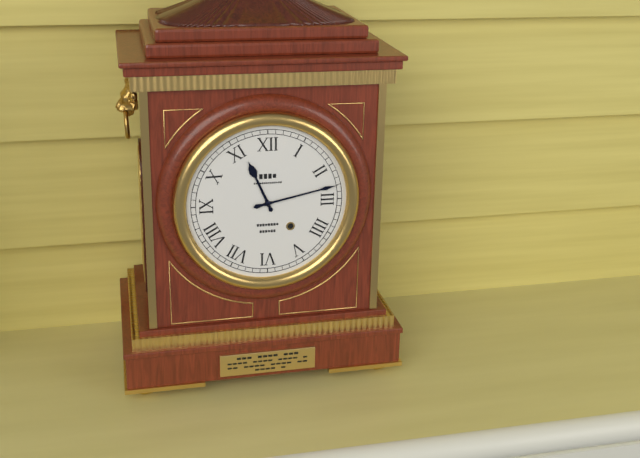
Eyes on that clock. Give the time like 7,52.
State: 11,13
